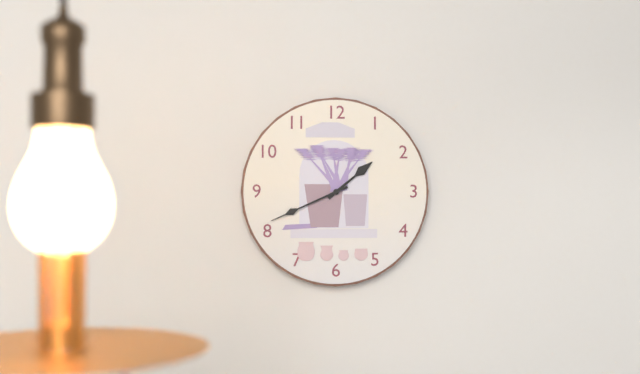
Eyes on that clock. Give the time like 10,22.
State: 1,41
